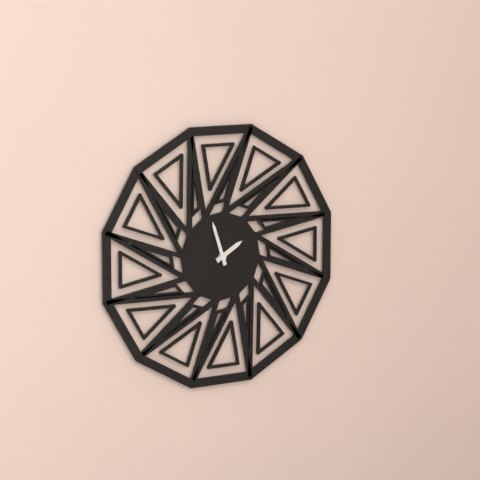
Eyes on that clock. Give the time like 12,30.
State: 1,57
